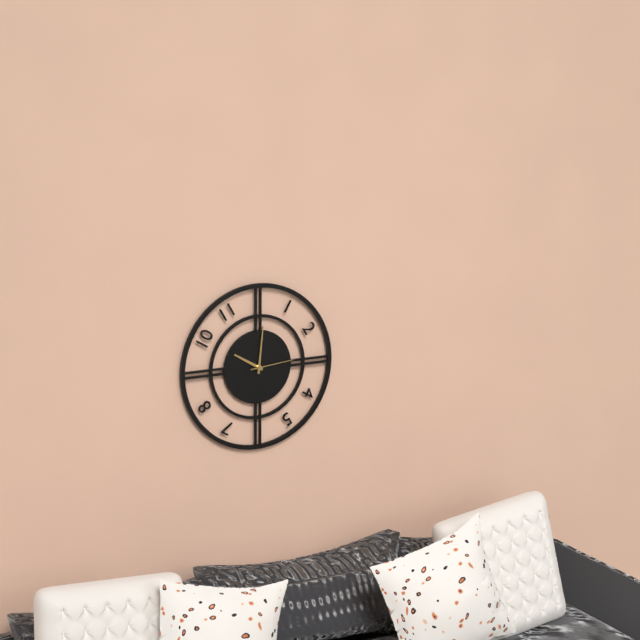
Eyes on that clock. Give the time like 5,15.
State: 10,01
